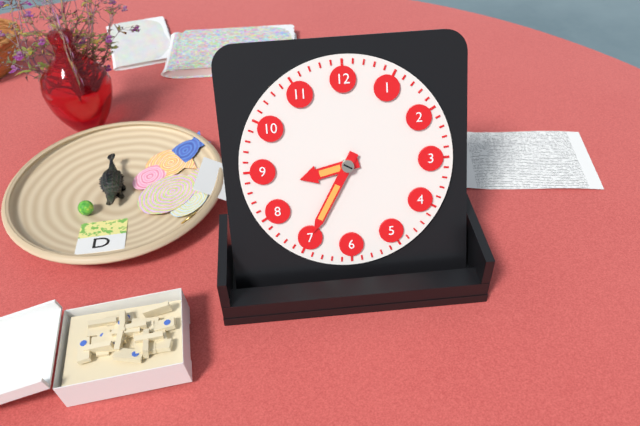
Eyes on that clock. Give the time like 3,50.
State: 8,35
